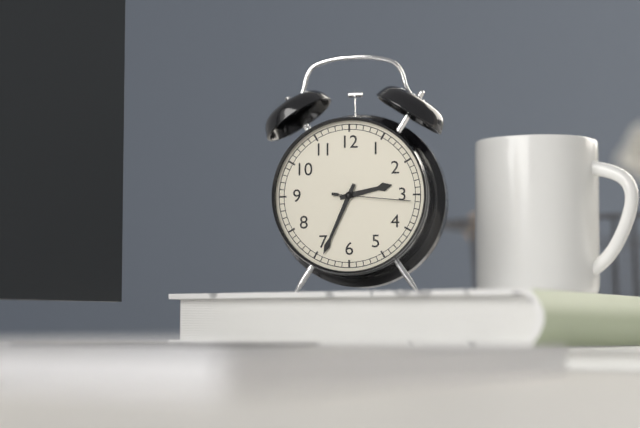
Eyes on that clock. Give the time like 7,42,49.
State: 2,34,16
